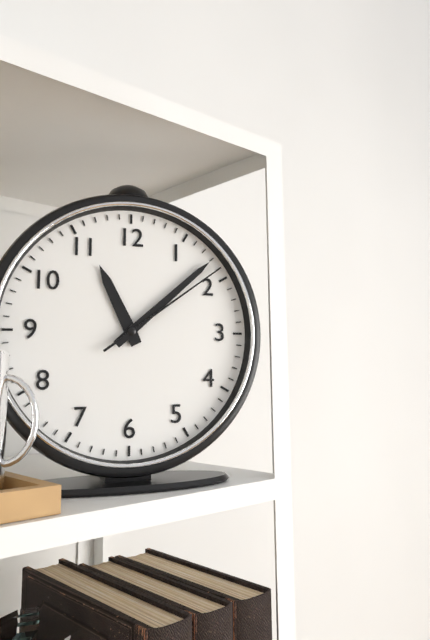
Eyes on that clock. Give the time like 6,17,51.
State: 11,08,09
